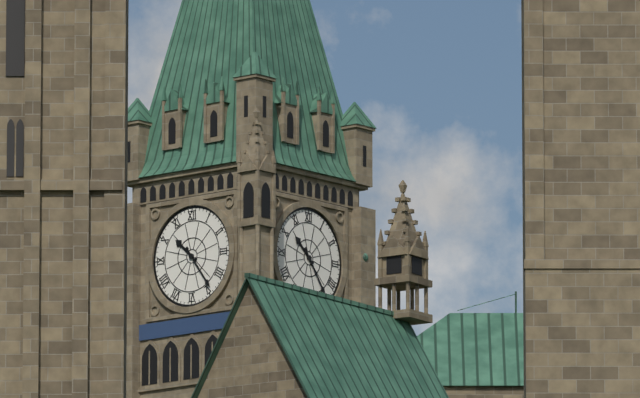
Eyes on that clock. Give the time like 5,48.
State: 10,24
